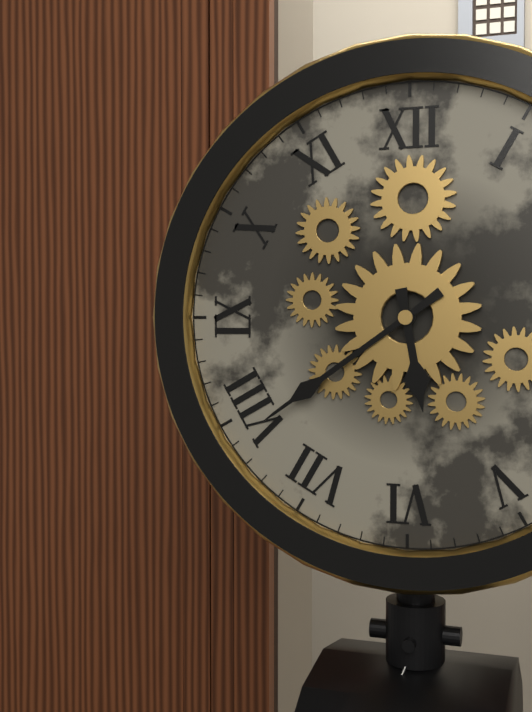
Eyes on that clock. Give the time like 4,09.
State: 5,39
